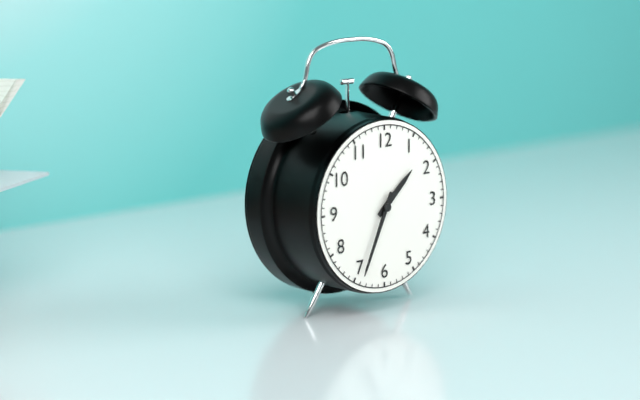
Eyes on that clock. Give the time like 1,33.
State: 1,34
